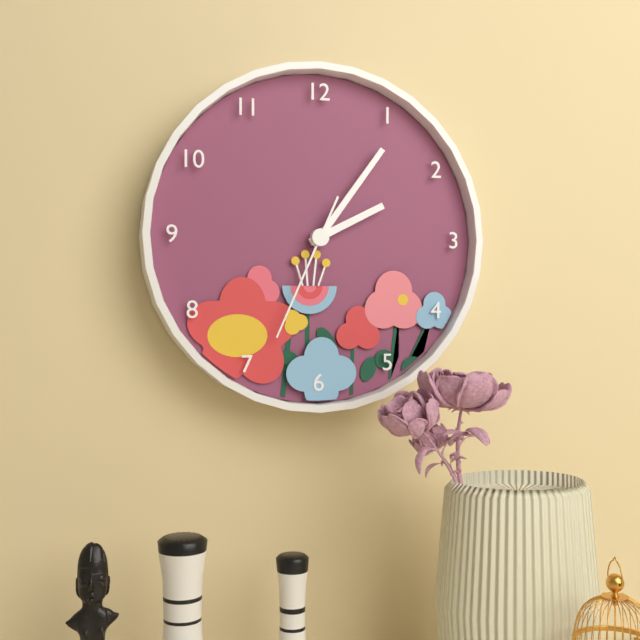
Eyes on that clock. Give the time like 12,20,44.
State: 2,06,34
